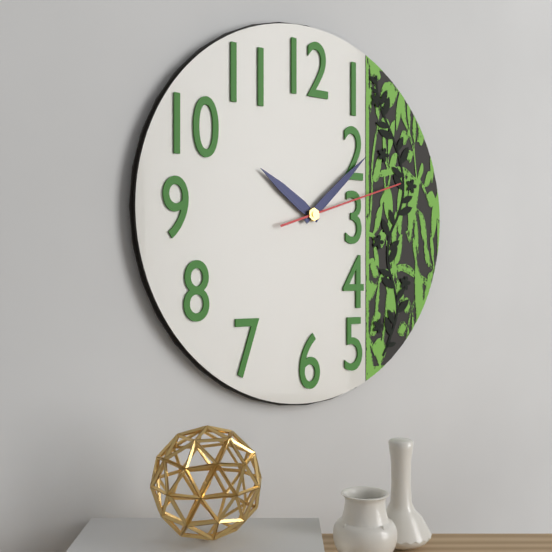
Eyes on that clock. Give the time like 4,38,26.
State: 10,08,12
